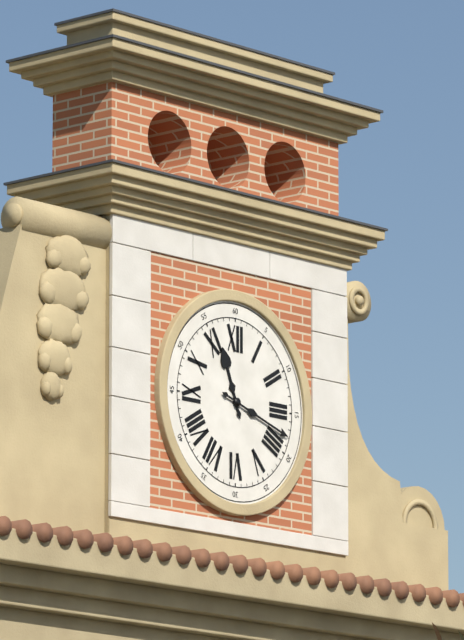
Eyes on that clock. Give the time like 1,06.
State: 11,18
